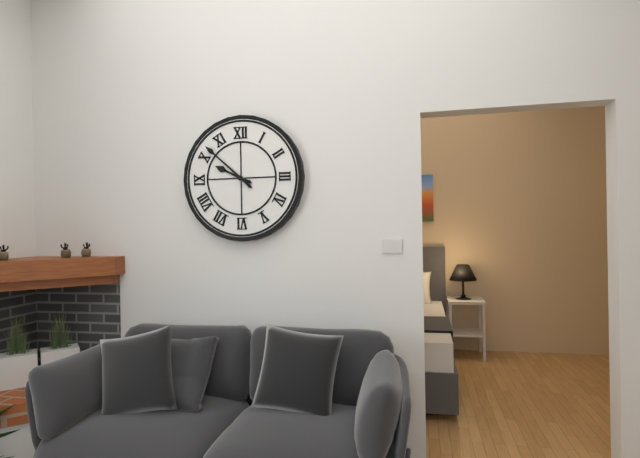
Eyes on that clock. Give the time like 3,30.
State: 9,52
